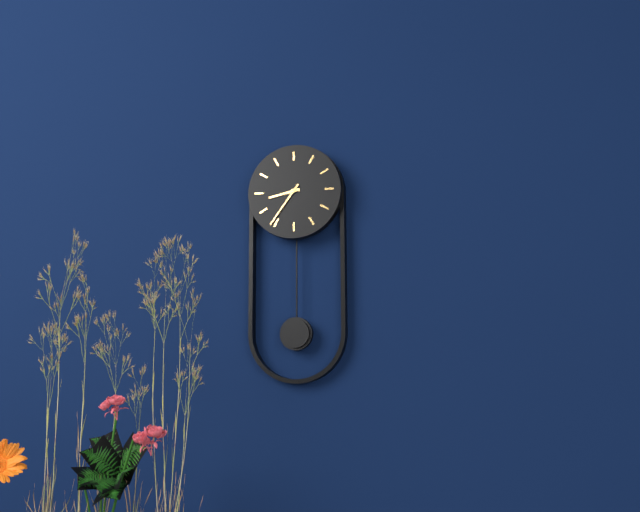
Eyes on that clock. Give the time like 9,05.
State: 8,36
